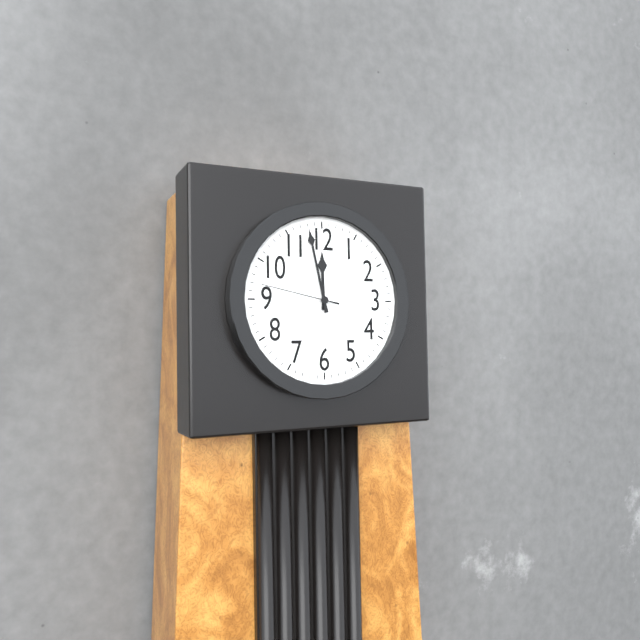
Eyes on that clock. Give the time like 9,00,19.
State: 11,58,47
